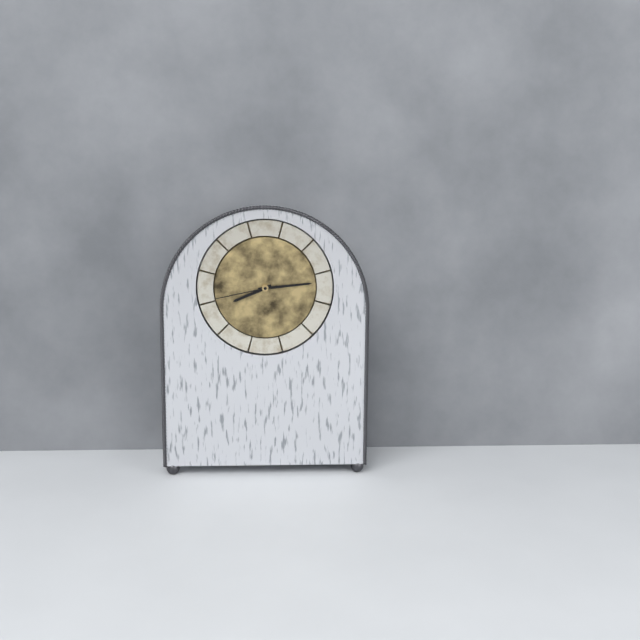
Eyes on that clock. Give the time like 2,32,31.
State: 8,14,43
